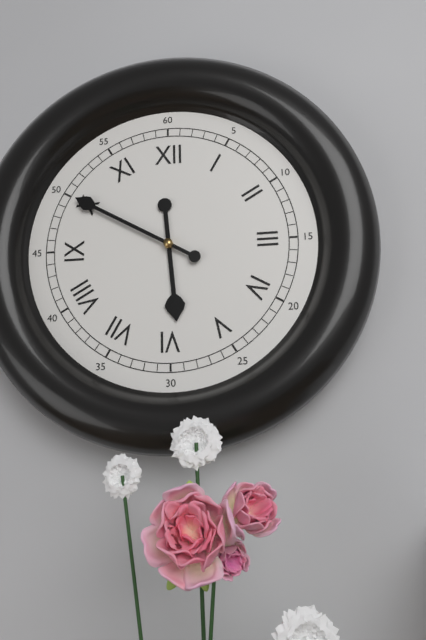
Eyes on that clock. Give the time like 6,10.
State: 5,50
